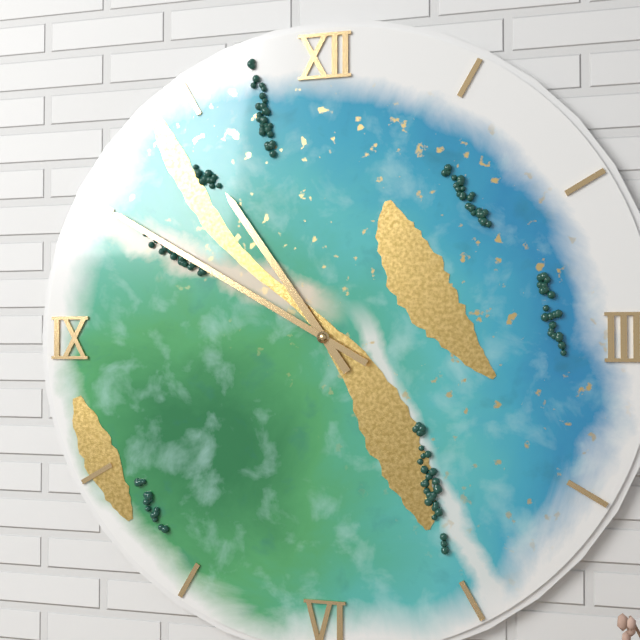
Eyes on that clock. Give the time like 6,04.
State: 10,50
